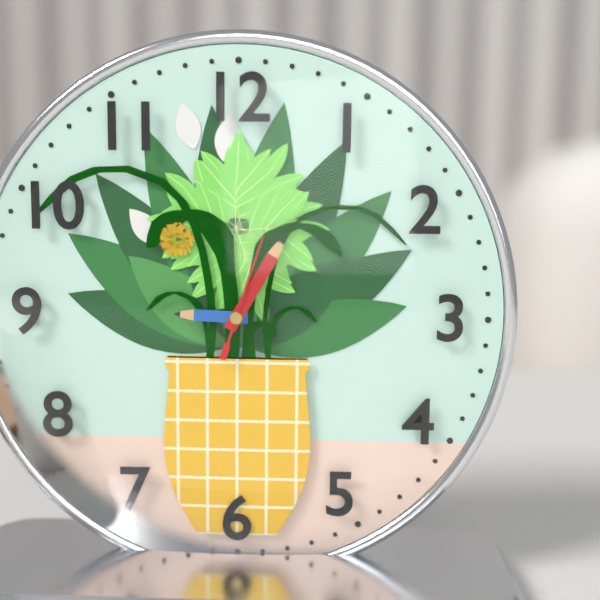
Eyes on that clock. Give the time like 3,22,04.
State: 9,05,03
